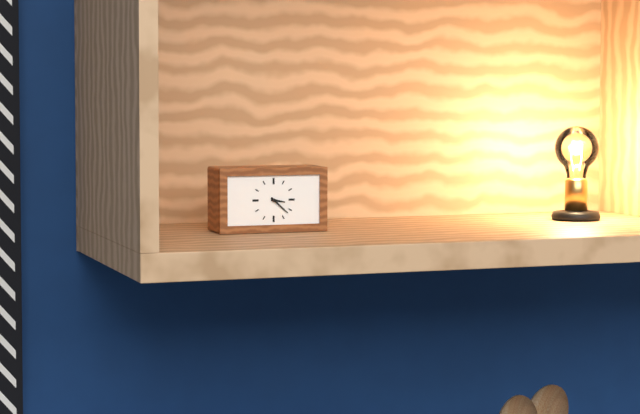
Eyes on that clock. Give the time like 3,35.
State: 3,22
